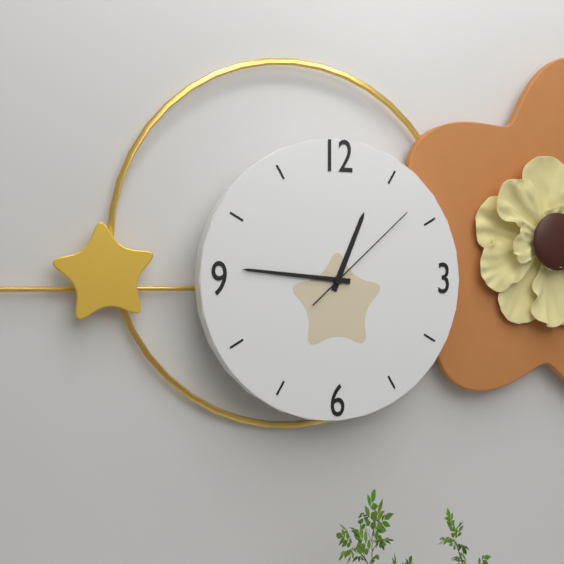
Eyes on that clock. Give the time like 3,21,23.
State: 12,46,08
